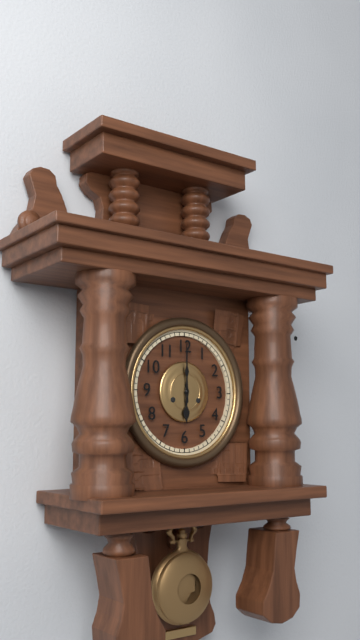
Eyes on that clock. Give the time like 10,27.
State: 6,00
